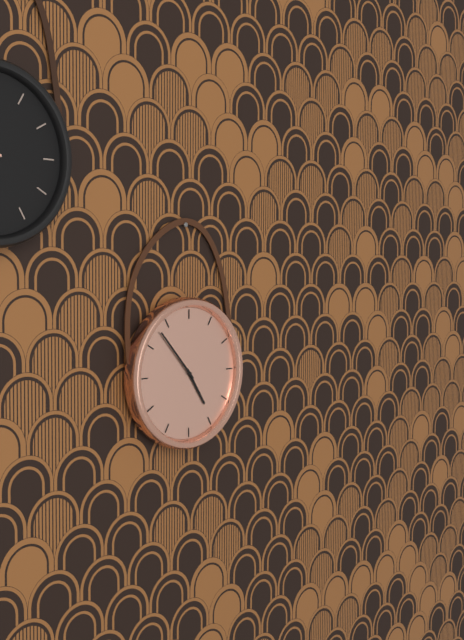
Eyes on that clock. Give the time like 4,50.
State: 4,53
